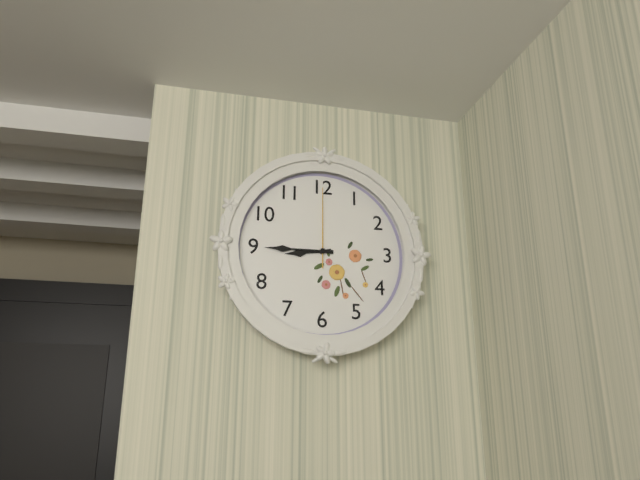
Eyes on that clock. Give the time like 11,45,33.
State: 8,45,00
